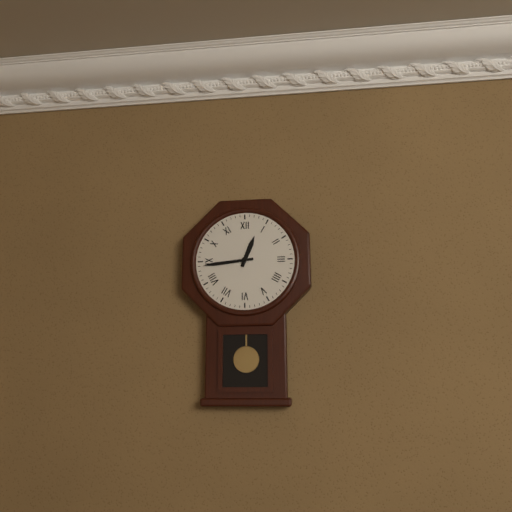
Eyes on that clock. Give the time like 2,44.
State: 12,44
